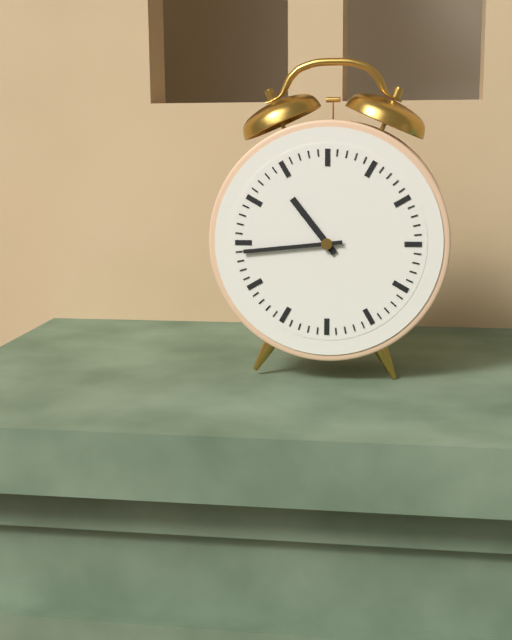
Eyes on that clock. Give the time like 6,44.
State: 10,44
